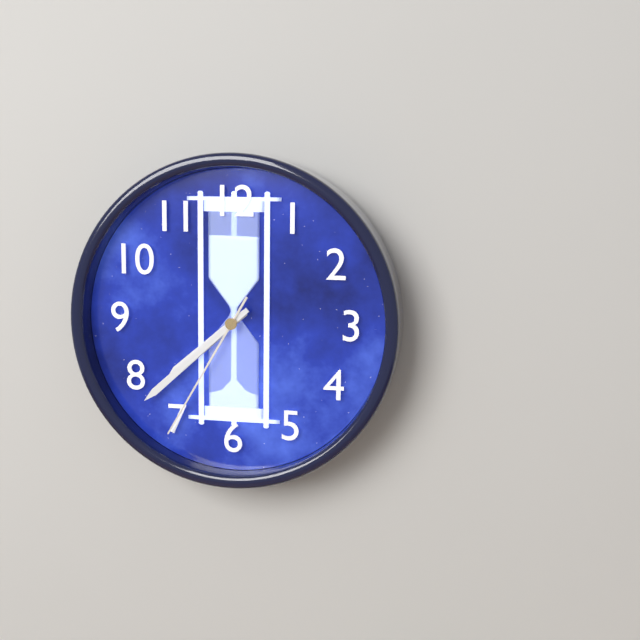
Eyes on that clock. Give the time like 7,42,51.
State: 7,38,35
